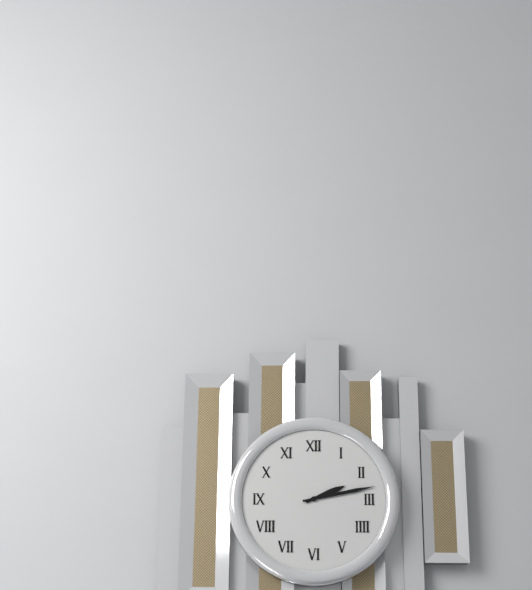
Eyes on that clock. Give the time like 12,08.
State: 2,13
